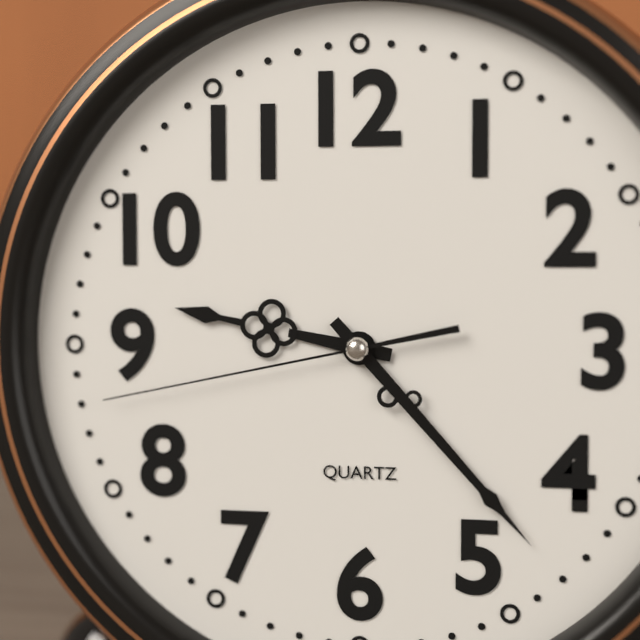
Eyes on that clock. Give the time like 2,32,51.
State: 9,23,43
